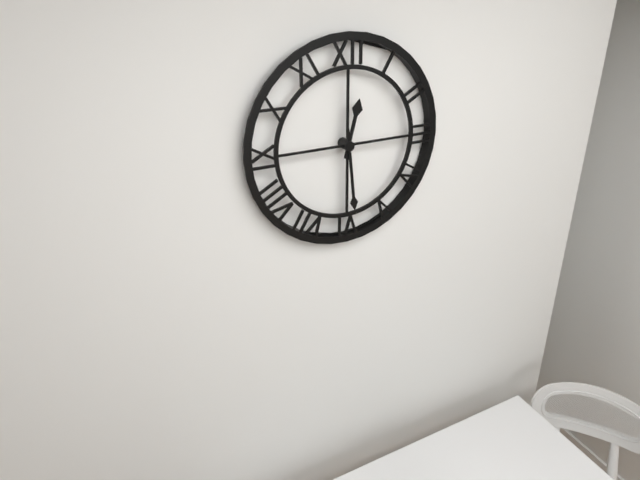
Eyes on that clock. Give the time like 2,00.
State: 12,29
